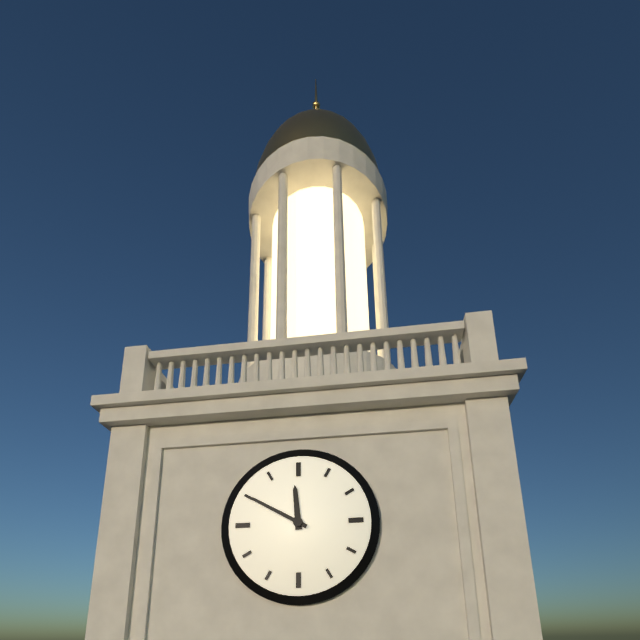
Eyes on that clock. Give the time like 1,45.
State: 11,50
